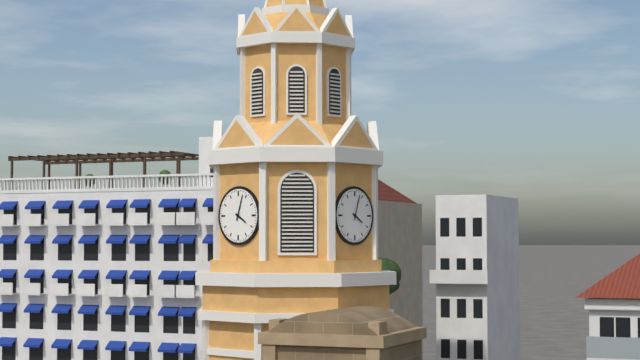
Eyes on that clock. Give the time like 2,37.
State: 4,03
